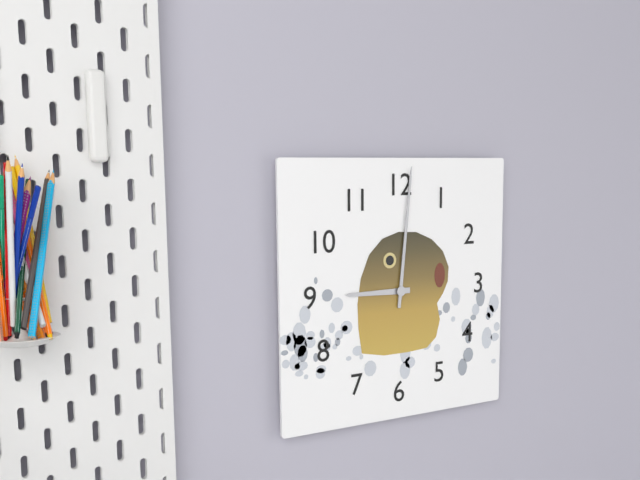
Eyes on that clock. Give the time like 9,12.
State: 9,01
